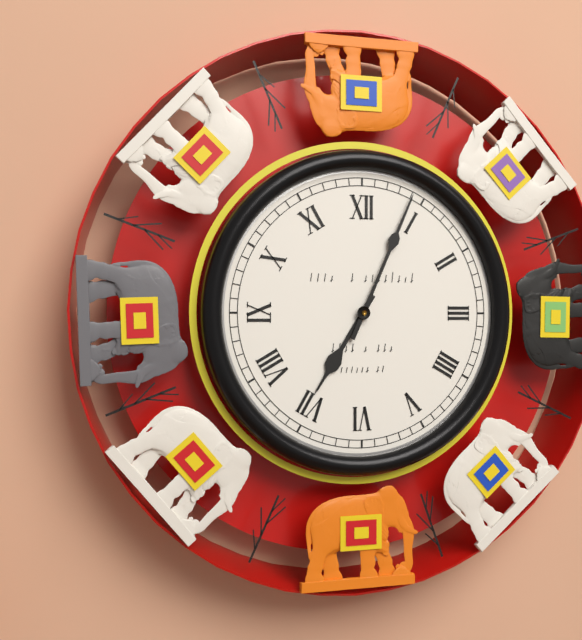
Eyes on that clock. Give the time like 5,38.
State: 7,04
